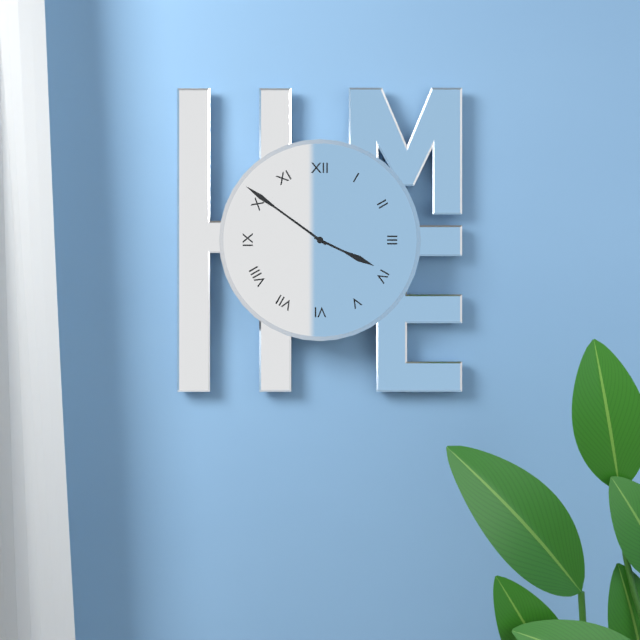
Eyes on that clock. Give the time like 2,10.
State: 3,51
